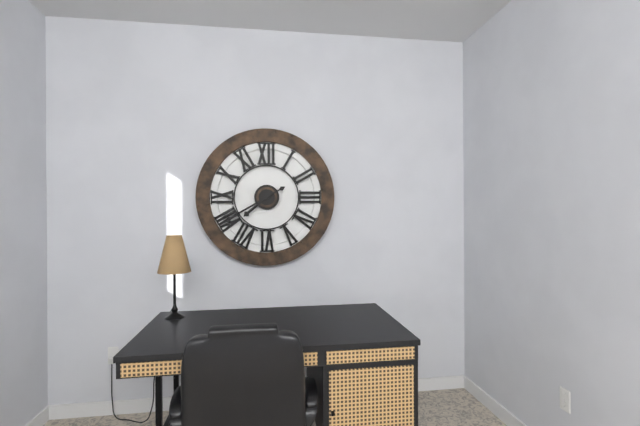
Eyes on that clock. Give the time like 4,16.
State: 7,40
